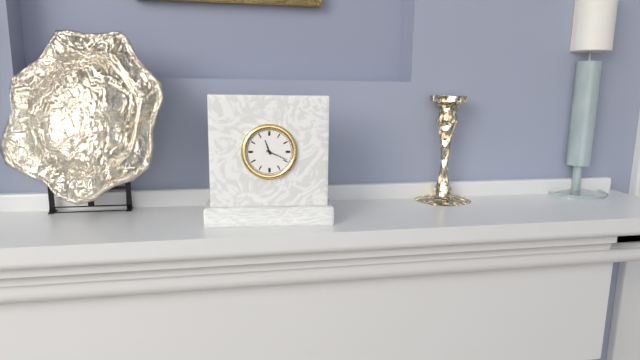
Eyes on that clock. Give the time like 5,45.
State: 11,19
